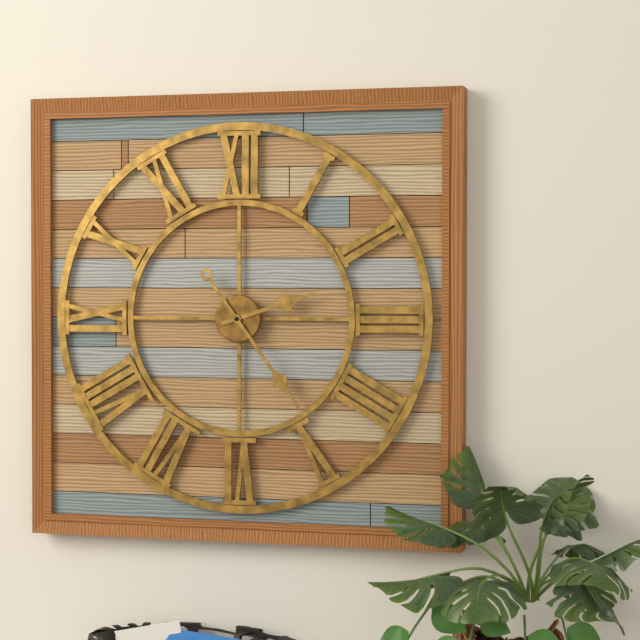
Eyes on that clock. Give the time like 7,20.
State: 2,24
